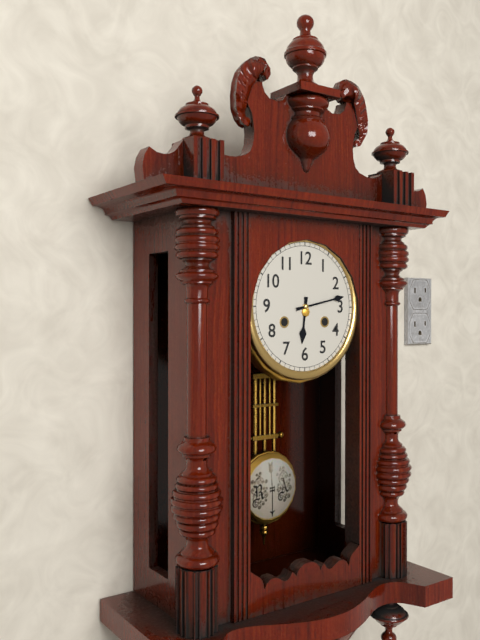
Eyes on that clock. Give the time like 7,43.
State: 6,13
